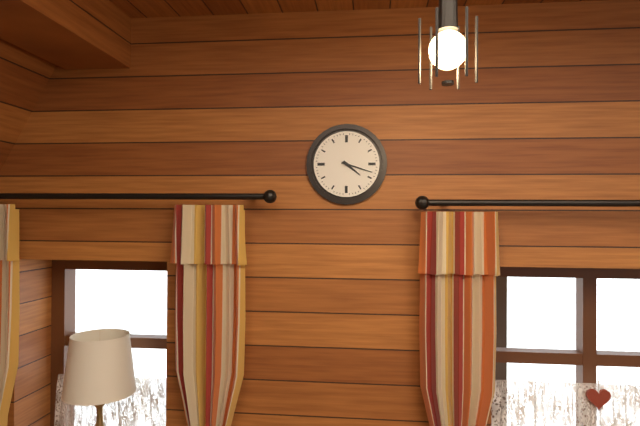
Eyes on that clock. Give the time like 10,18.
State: 4,18
